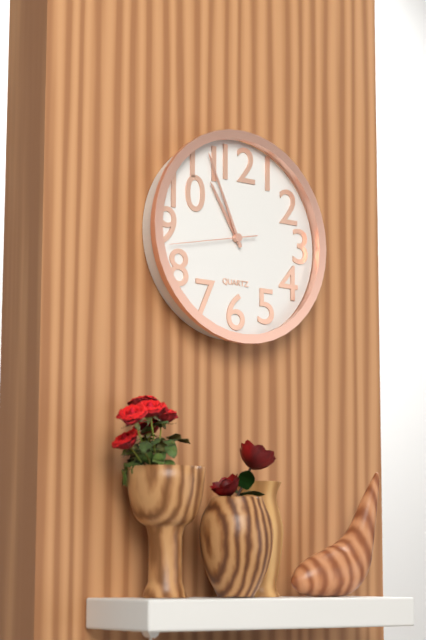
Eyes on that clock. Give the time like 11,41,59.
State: 10,56,43
